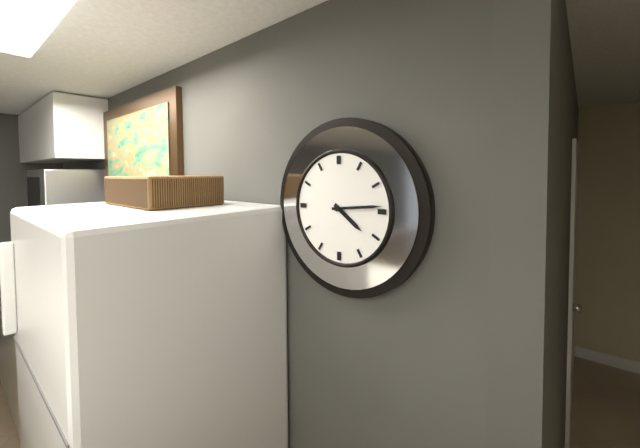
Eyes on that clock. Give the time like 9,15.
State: 4,14
